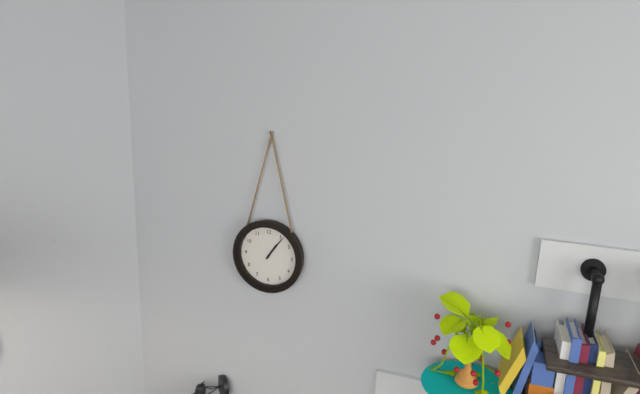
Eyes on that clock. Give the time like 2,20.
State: 1,06
